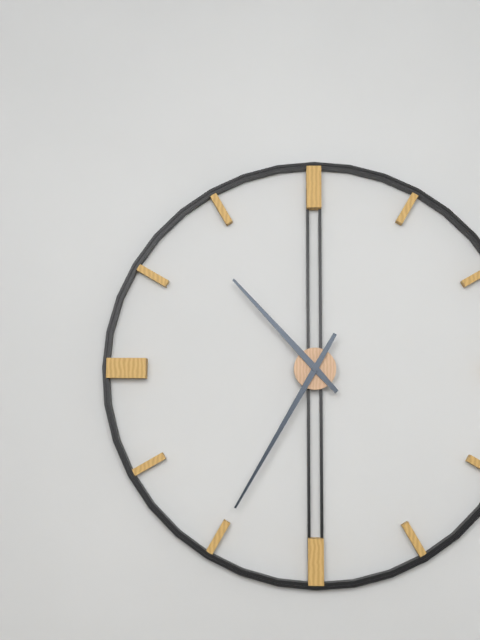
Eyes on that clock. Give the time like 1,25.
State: 10,35
